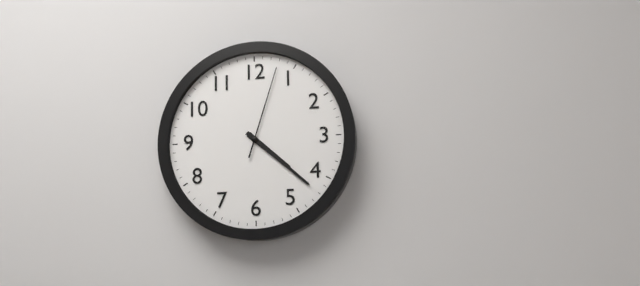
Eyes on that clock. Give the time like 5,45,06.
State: 4,22,03
